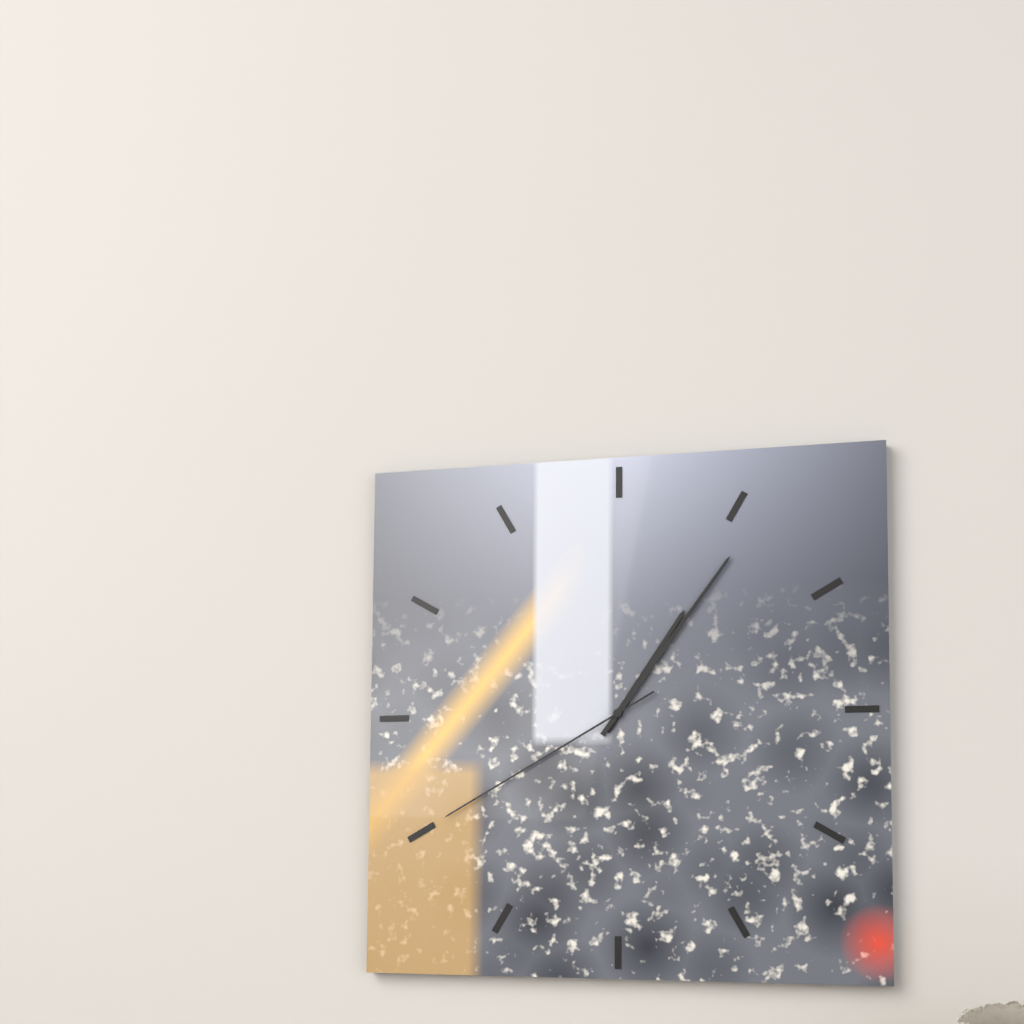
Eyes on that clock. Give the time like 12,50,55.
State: 1,06,40
